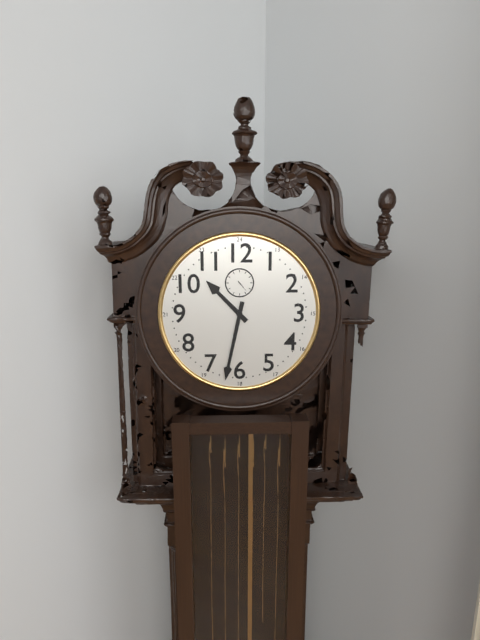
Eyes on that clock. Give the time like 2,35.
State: 10,32
